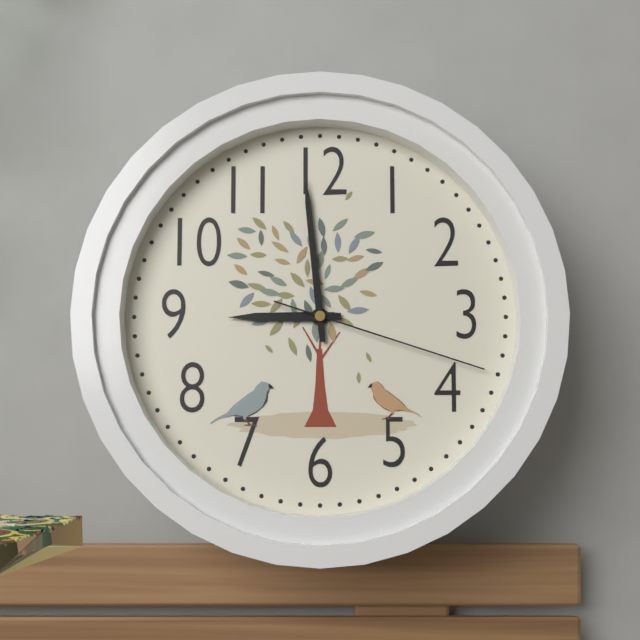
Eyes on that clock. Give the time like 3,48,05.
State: 8,59,18
